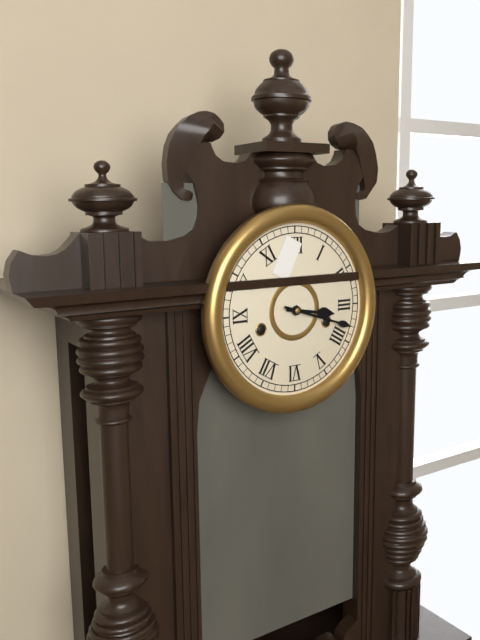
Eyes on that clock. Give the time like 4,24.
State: 3,18
